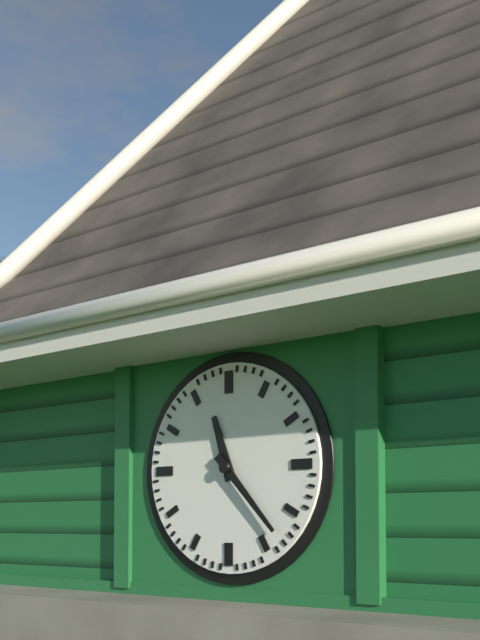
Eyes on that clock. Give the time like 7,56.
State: 11,23
